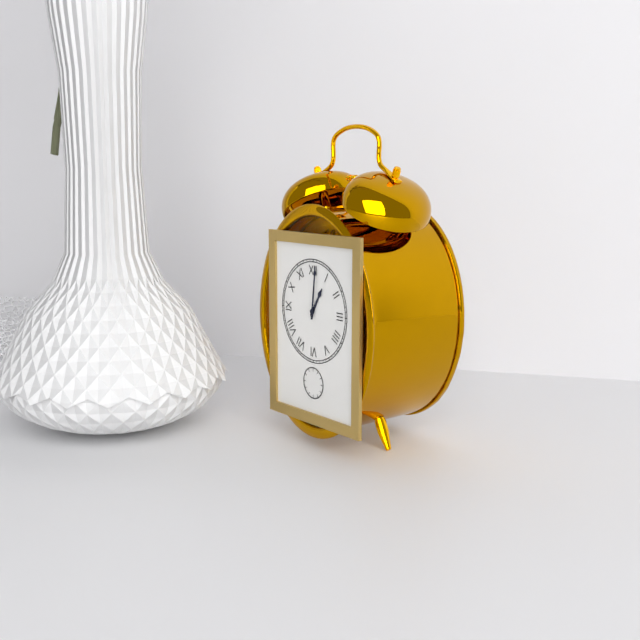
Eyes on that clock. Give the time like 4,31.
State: 1,01
